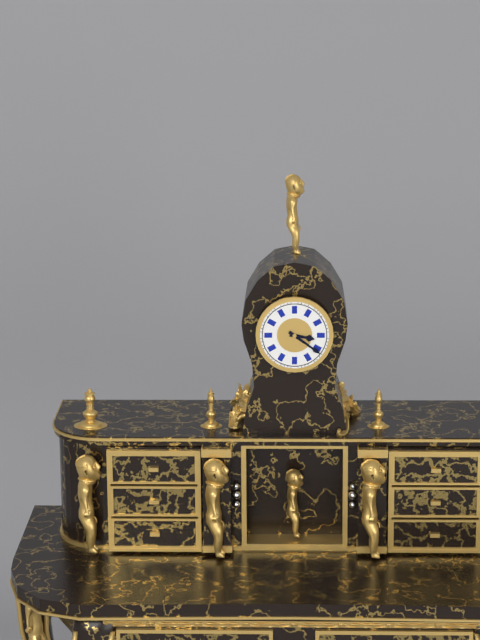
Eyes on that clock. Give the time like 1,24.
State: 3,21
